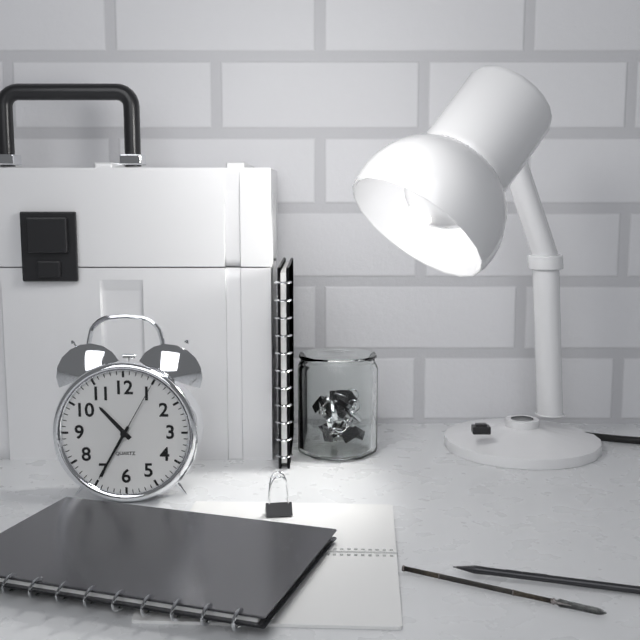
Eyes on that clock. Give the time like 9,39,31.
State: 10,35,05
